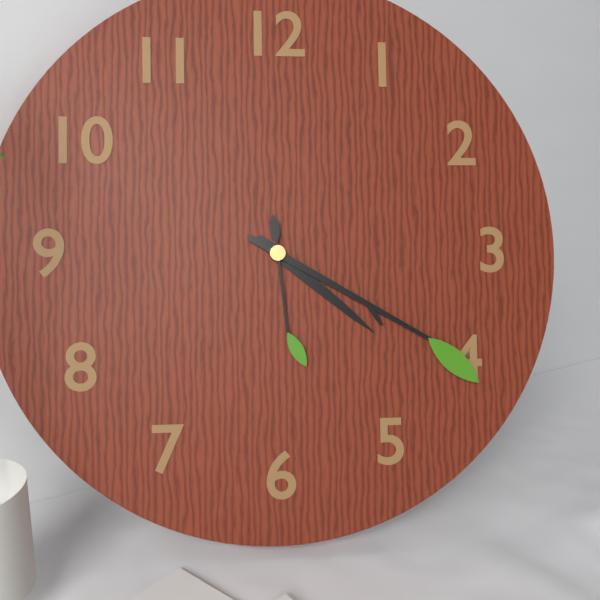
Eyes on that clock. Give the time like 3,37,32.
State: 4,20,29
